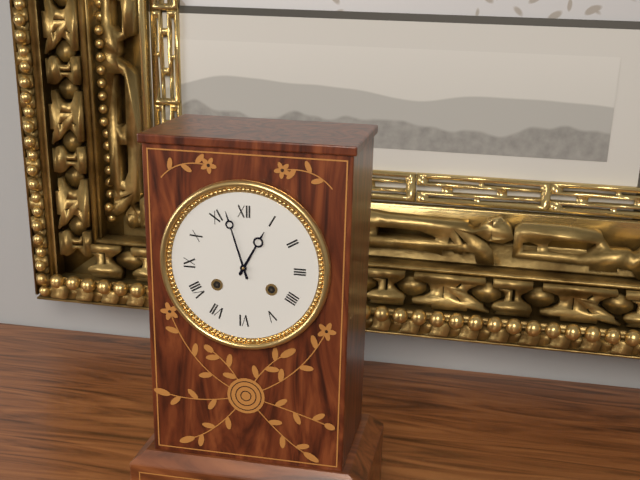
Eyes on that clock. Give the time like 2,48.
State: 12,57
